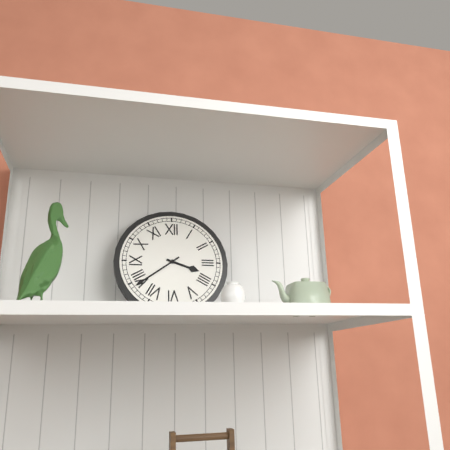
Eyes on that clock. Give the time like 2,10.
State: 3,39
